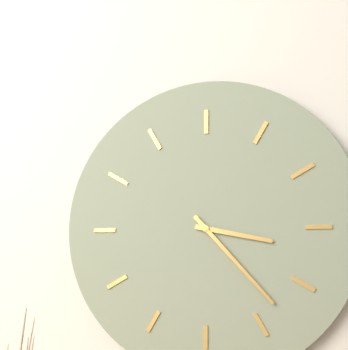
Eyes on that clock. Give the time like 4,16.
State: 3,23
